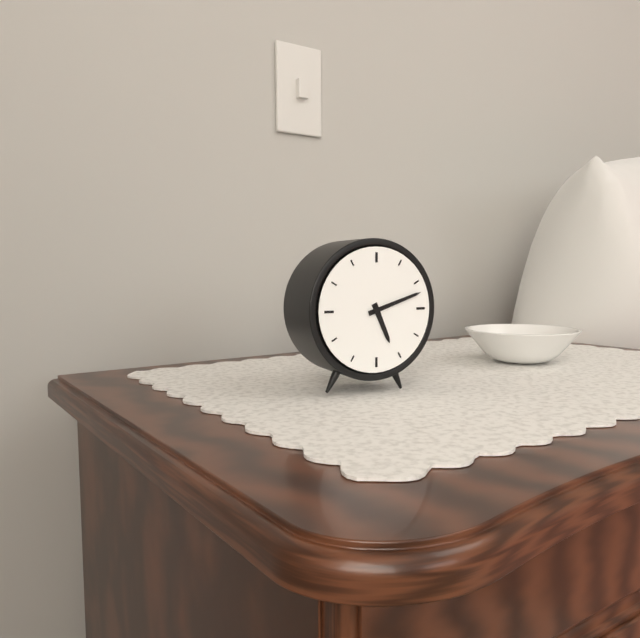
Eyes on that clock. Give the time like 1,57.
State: 5,12
